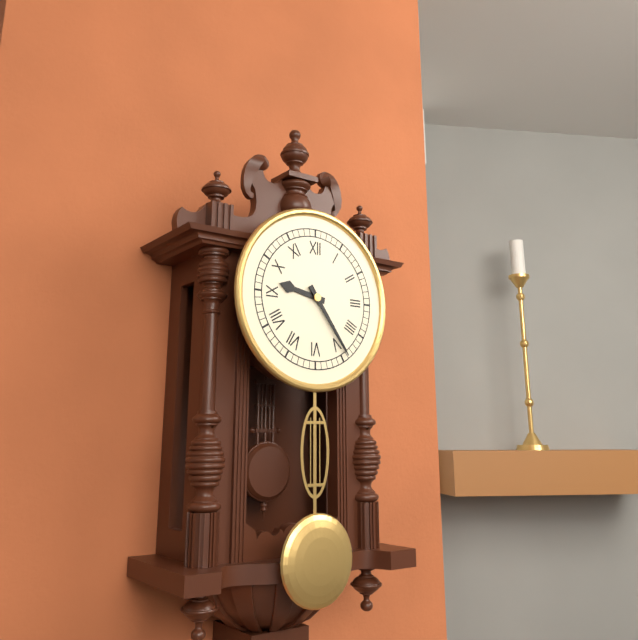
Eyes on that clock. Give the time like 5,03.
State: 9,24
